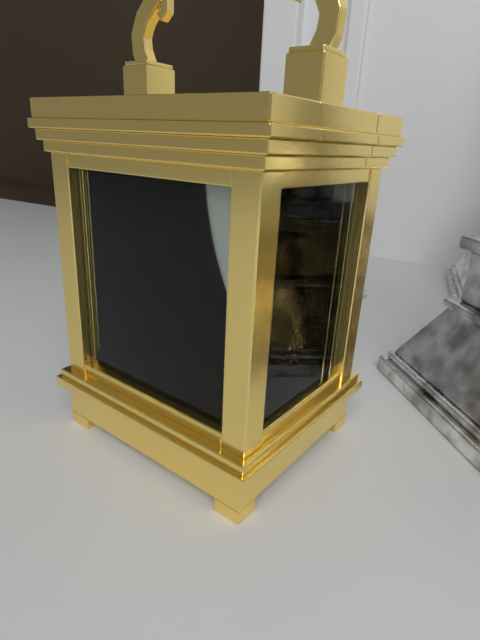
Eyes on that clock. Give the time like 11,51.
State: 7,25
